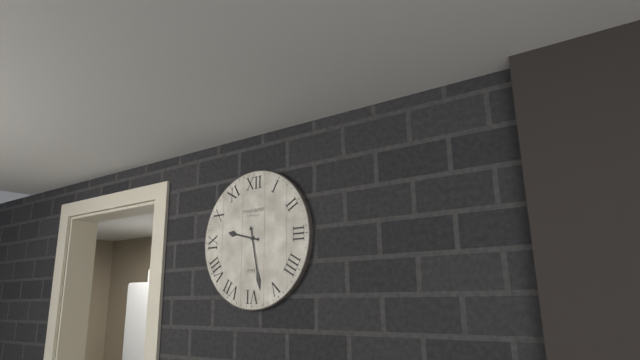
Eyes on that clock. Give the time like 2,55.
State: 9,28
